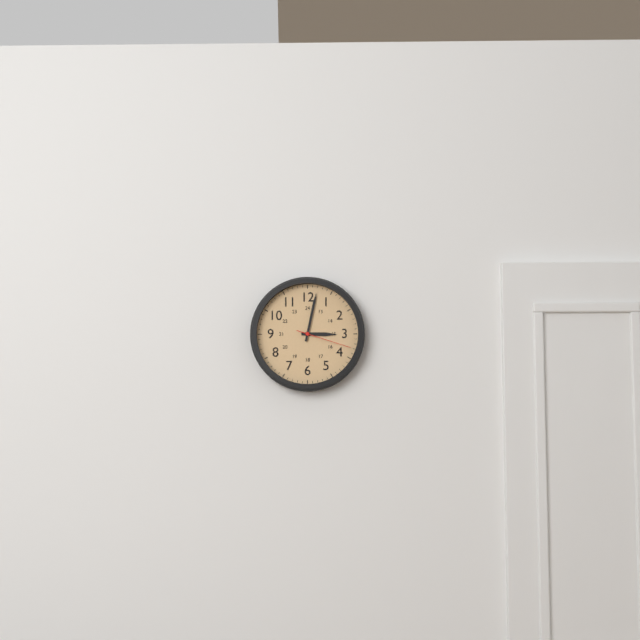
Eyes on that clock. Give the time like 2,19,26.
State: 3,02,18
